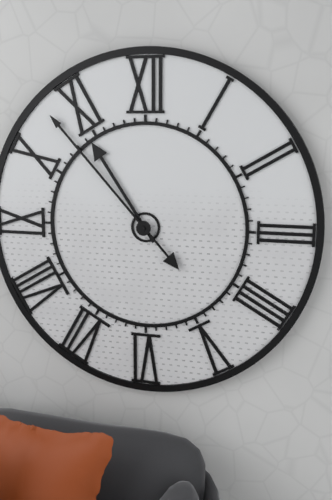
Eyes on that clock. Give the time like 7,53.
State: 10,53
